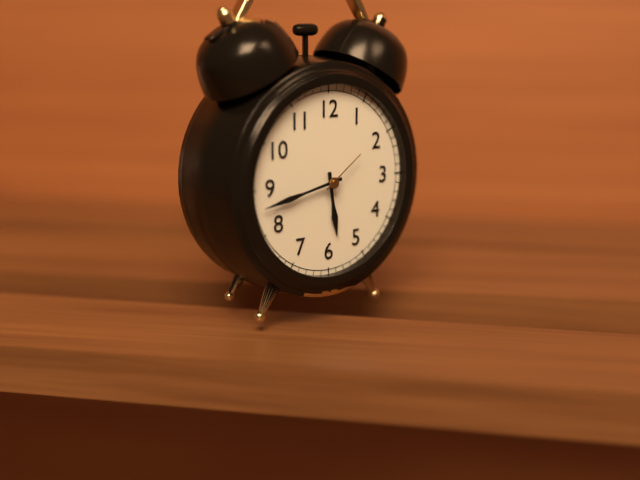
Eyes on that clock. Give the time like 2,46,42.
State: 5,43,09
